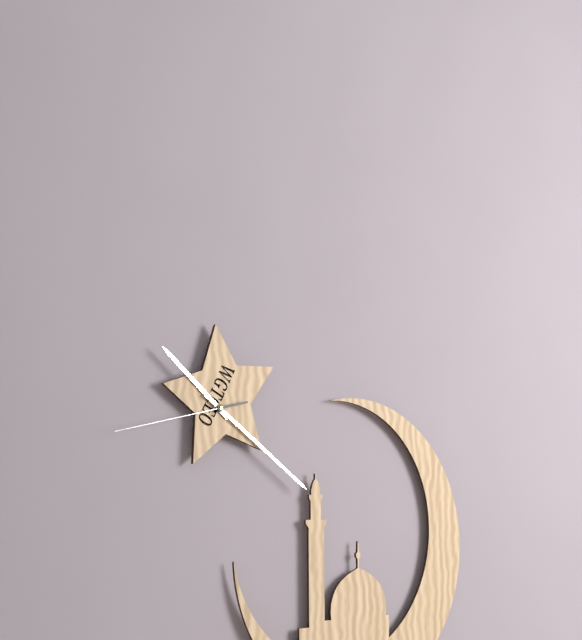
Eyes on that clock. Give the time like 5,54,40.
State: 10,21,43
